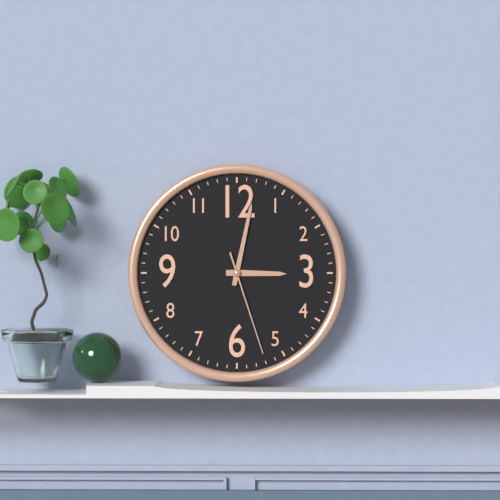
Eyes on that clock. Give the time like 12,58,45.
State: 3,02,27
